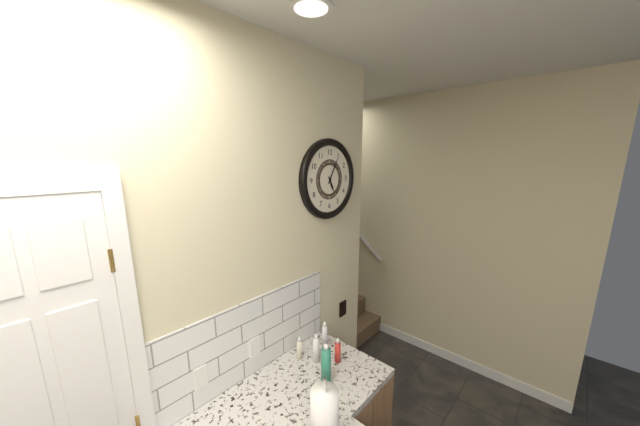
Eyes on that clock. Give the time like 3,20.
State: 5,05
